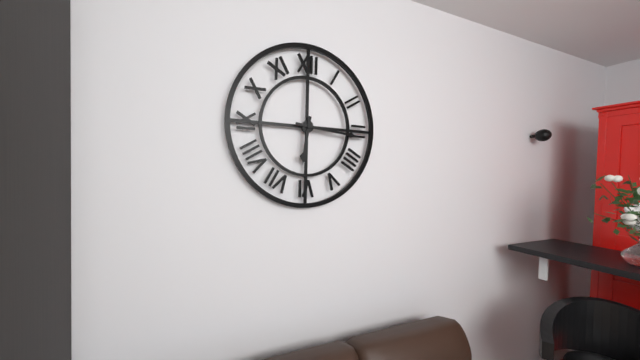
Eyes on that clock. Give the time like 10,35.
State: 6,16
